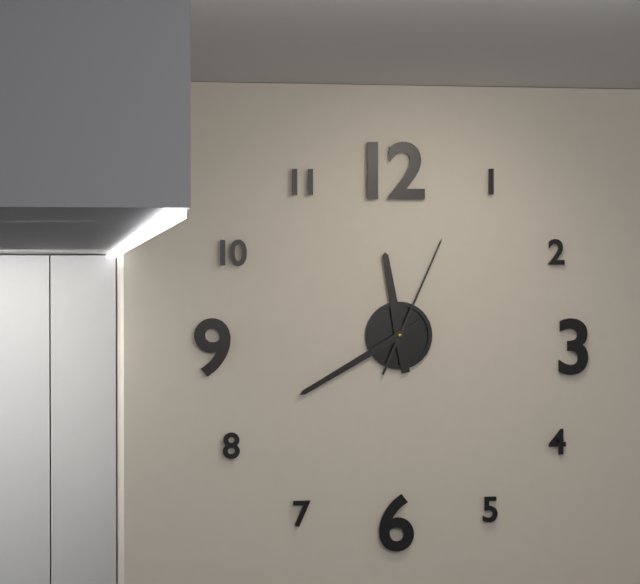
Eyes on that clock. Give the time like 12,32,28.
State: 11,40,04
